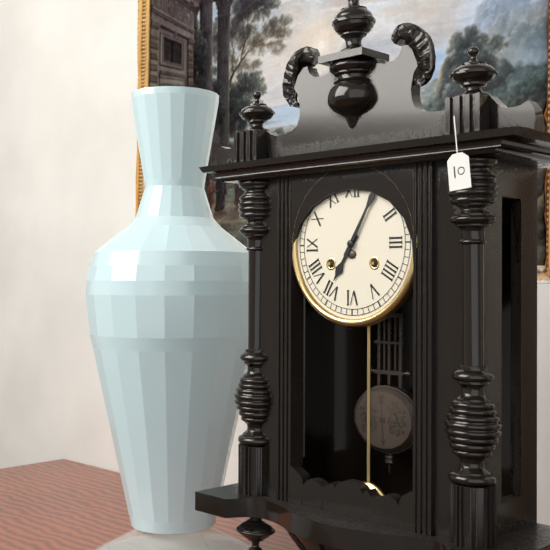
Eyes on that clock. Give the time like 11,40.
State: 7,05
